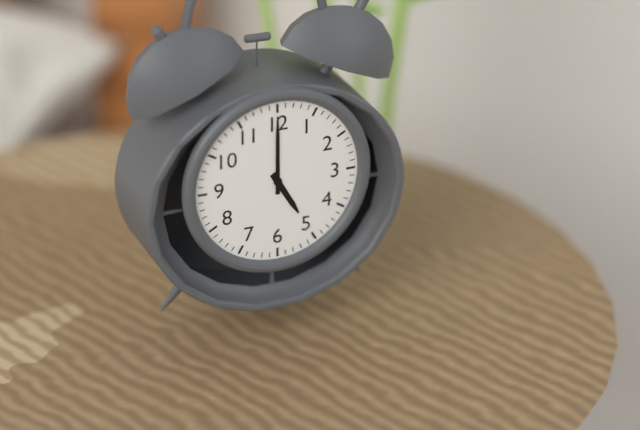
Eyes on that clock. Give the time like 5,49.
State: 5,00
